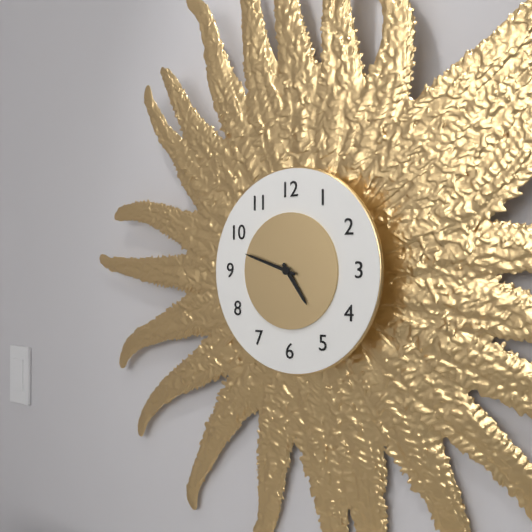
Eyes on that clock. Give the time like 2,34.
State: 4,48
